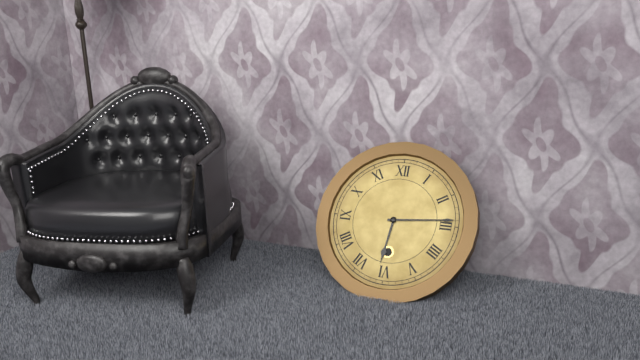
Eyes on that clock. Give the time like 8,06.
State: 6,14
